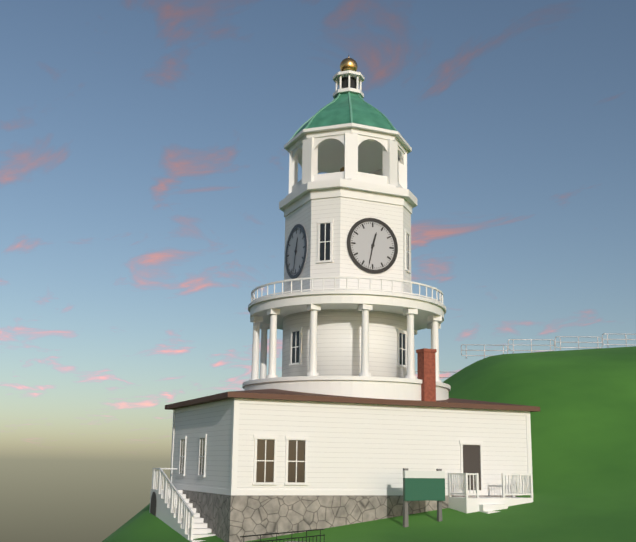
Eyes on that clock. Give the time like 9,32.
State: 12,32
